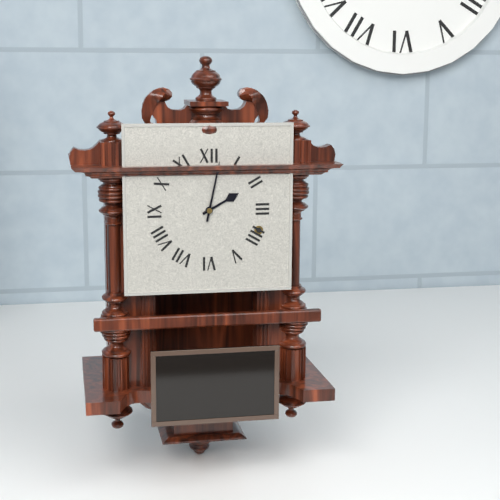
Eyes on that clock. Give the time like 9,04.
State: 2,02
